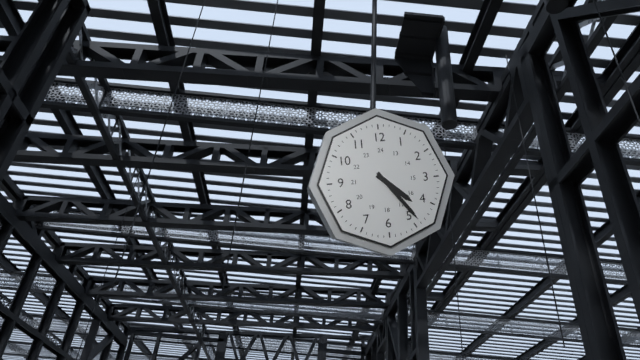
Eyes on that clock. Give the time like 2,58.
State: 4,24
